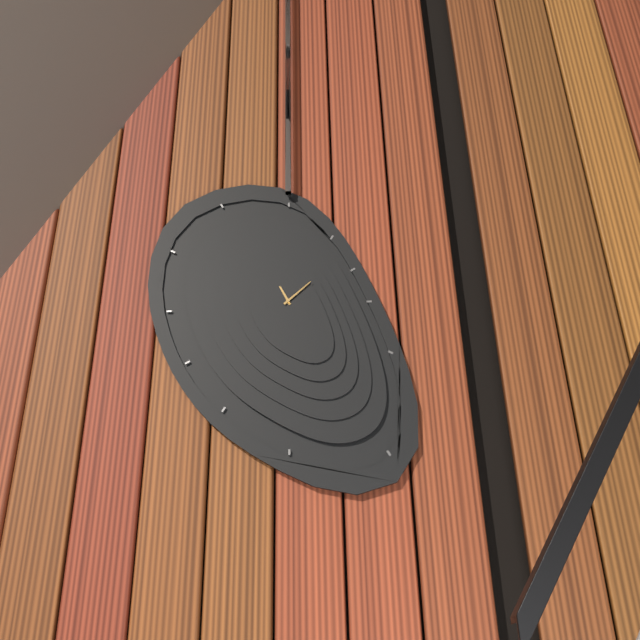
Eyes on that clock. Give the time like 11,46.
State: 11,08
